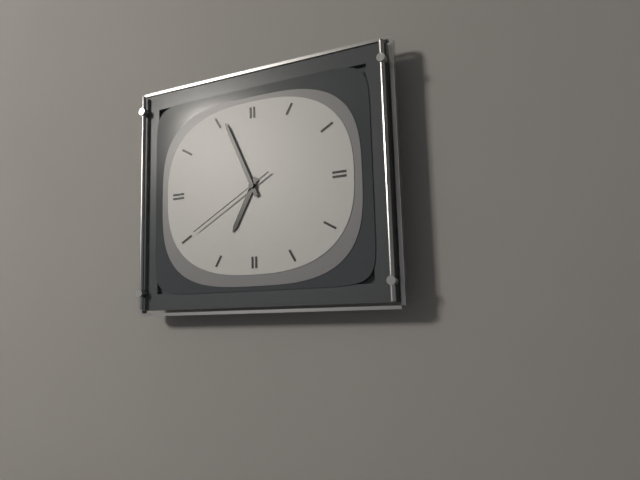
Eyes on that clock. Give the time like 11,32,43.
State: 6,56,40
